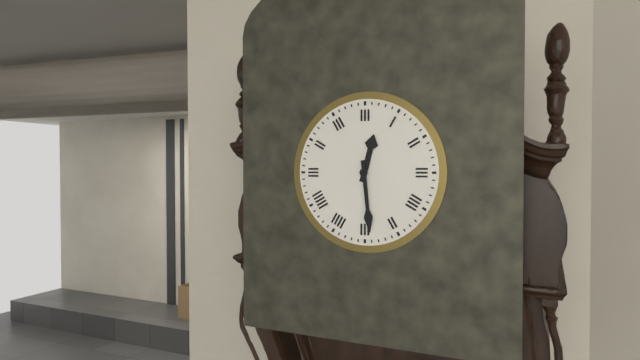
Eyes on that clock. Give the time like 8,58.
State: 12,29
